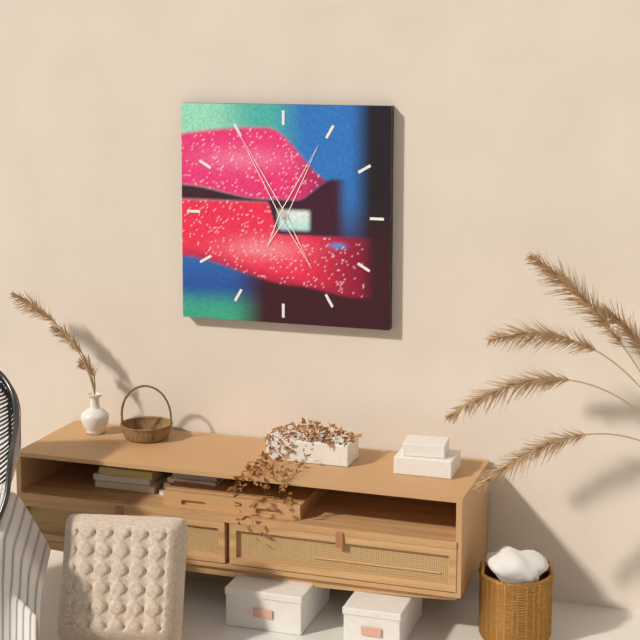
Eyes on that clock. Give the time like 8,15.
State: 12,55
